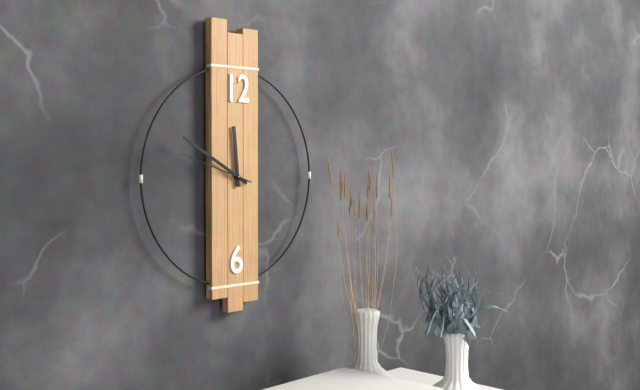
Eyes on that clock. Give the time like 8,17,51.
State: 11,50,48
